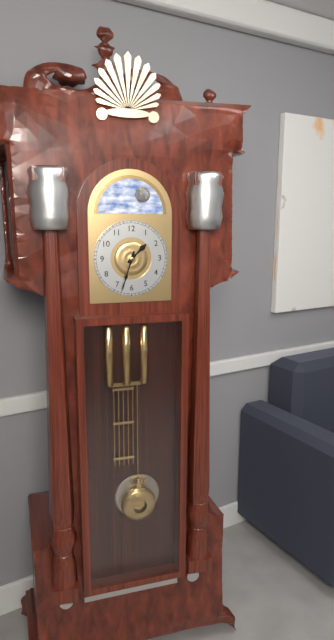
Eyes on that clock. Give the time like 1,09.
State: 1,33
